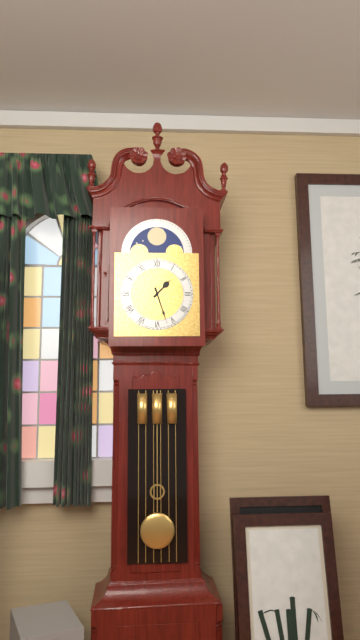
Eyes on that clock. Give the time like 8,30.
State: 1,27
